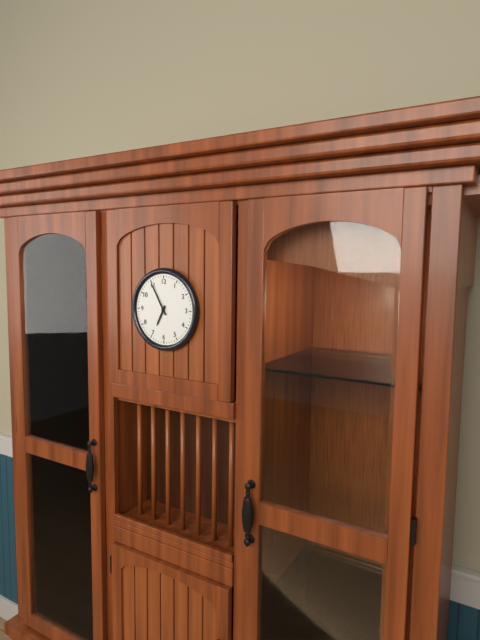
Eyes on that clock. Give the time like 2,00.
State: 6,55
